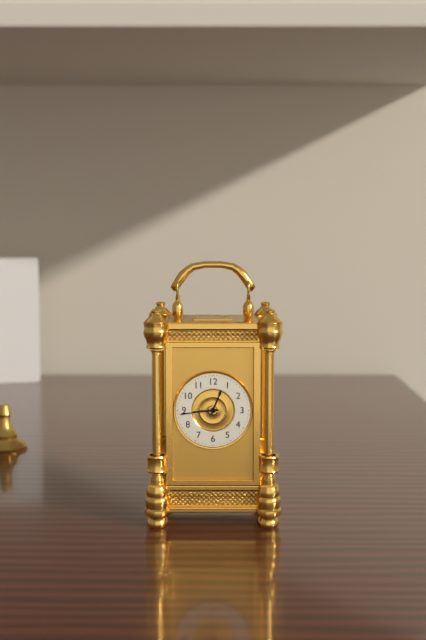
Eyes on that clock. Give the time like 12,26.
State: 12,44
